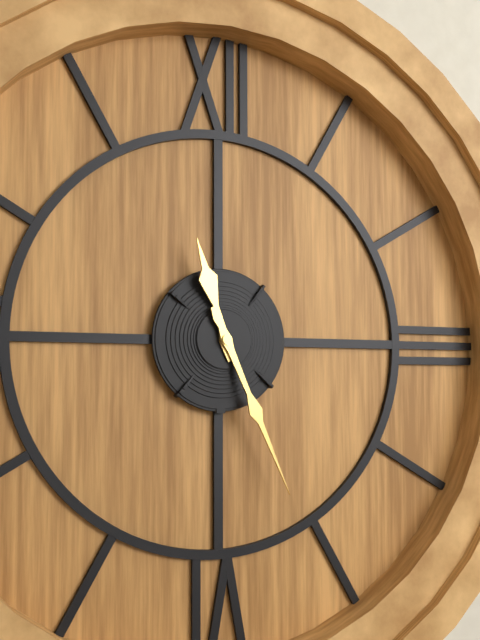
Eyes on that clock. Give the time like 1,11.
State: 11,26
